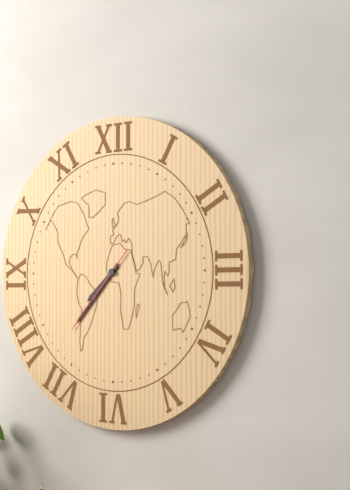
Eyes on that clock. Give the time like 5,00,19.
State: 7,37,37
